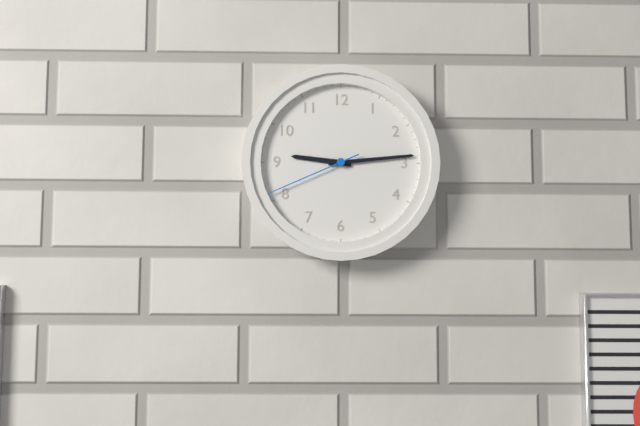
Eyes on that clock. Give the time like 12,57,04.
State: 9,14,41
